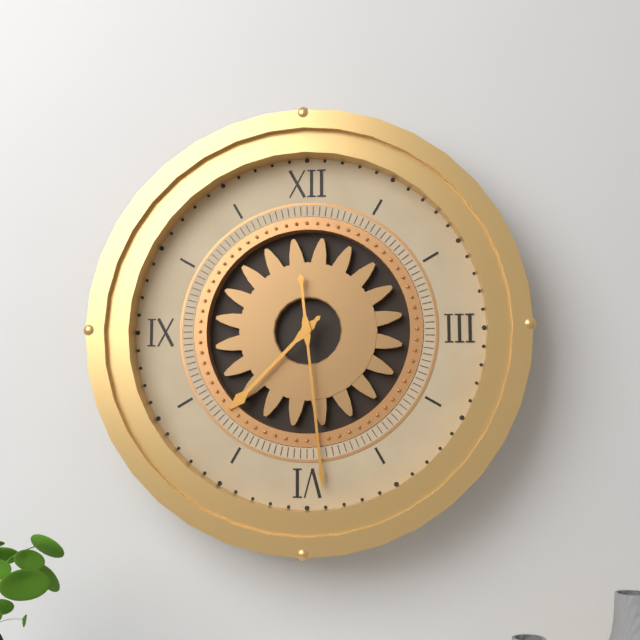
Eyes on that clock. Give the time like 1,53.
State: 7,29
